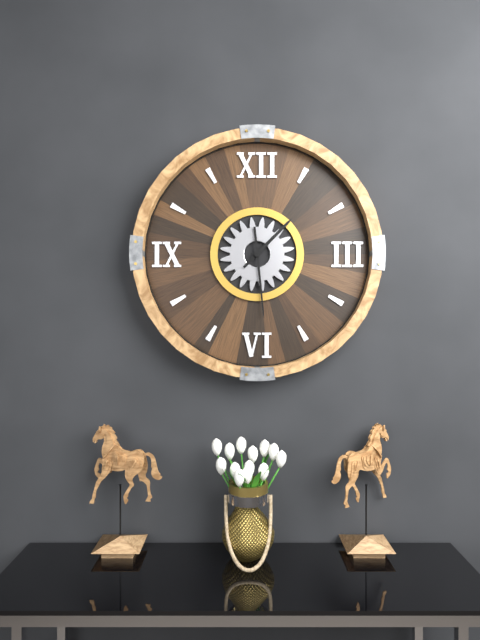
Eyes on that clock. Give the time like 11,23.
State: 1,29
